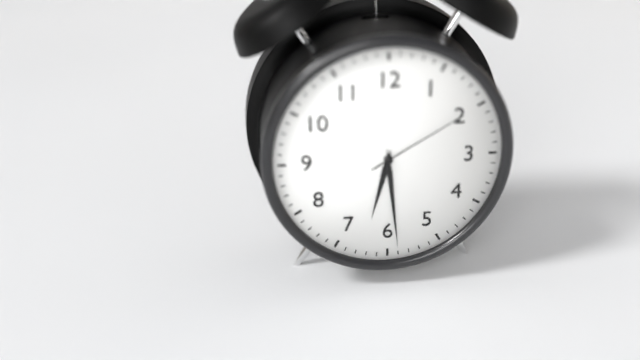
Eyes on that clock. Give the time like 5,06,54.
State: 6,29,10
